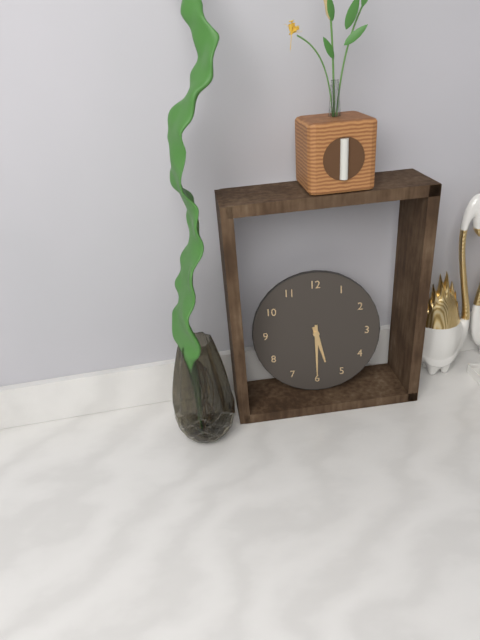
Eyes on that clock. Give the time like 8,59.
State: 5,30
